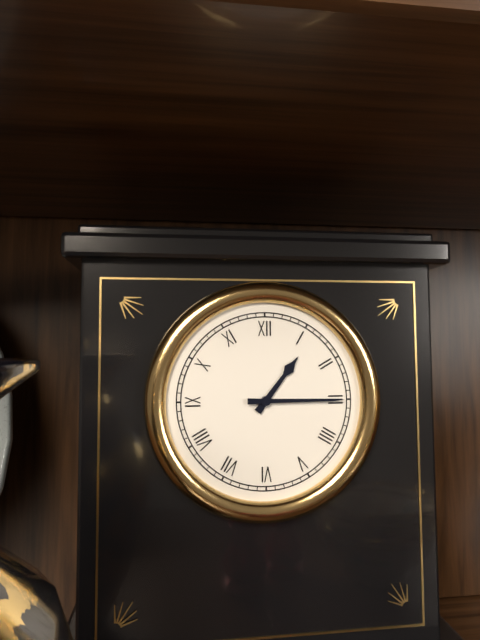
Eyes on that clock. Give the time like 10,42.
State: 1,15
